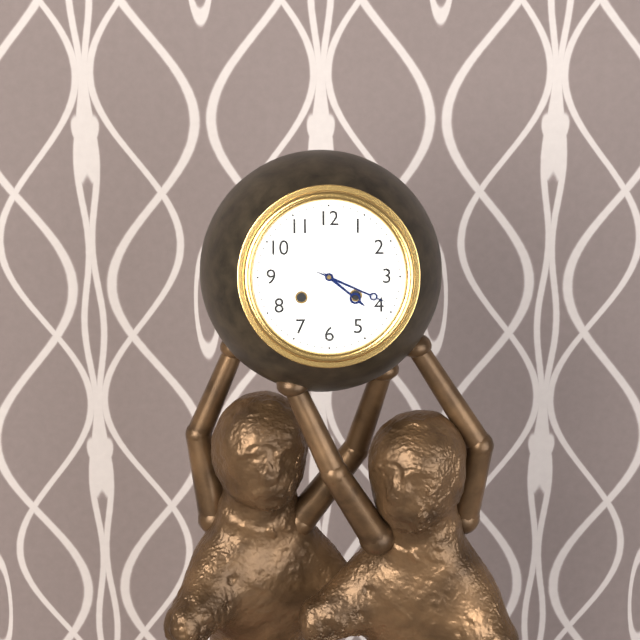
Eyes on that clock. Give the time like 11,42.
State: 4,19
